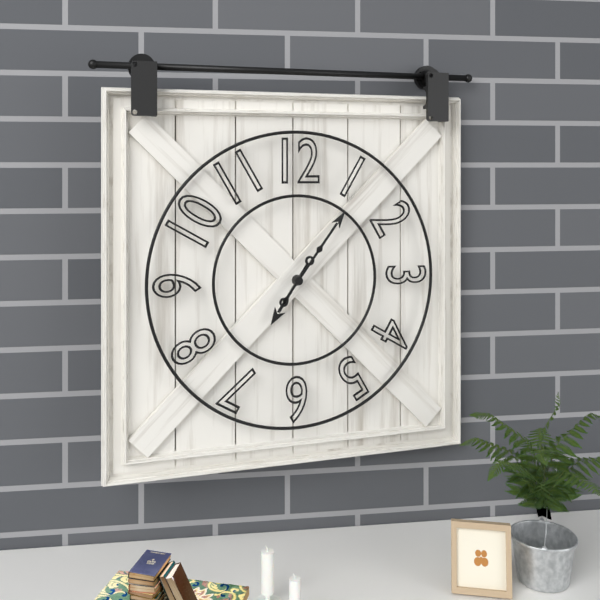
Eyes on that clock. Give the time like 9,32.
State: 7,06
